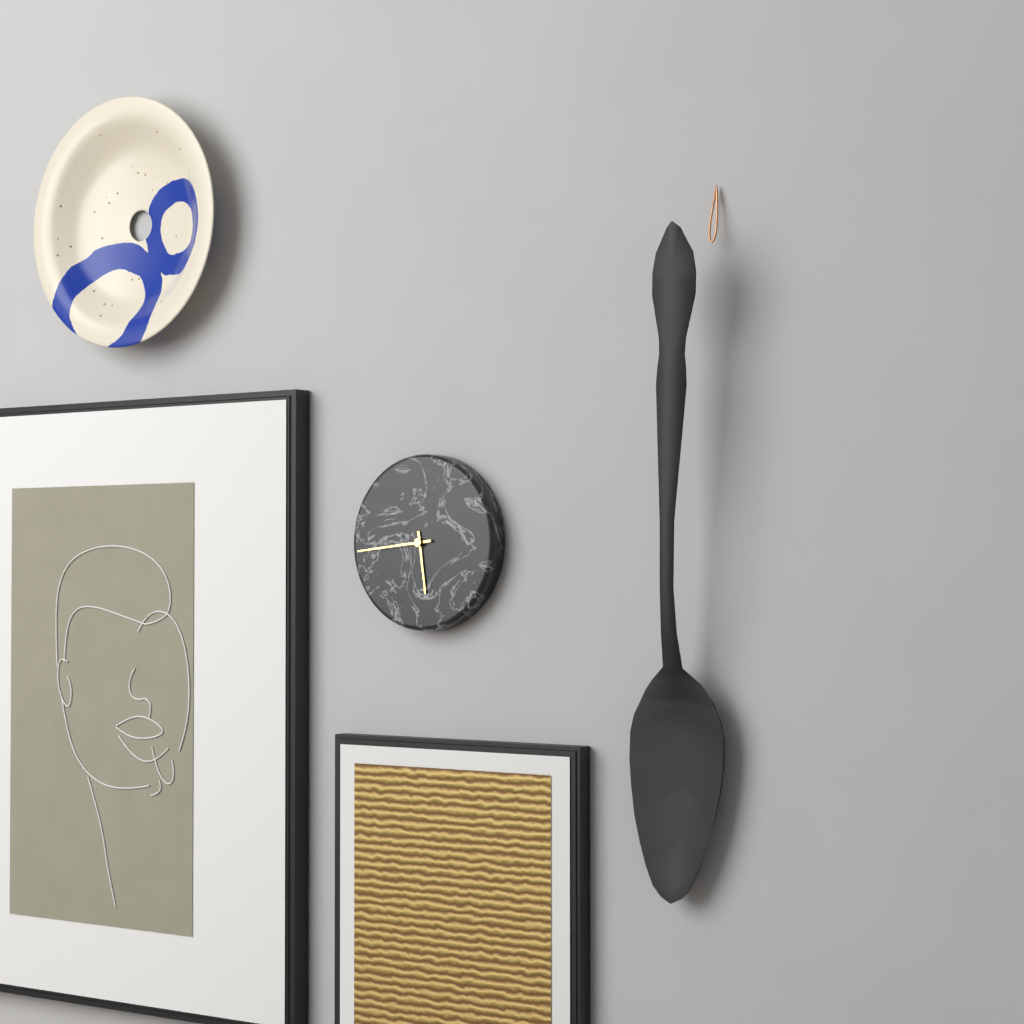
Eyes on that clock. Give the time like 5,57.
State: 5,44
